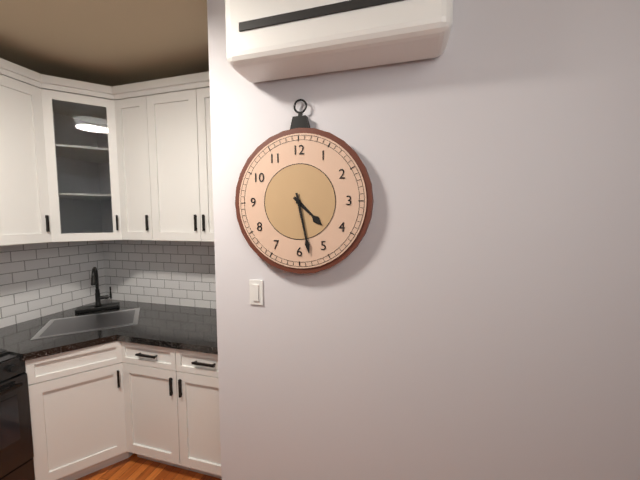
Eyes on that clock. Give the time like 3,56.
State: 4,28
